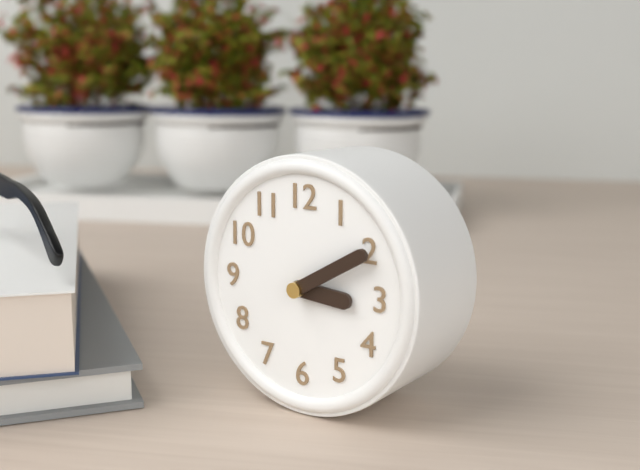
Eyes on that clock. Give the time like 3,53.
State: 3,10
